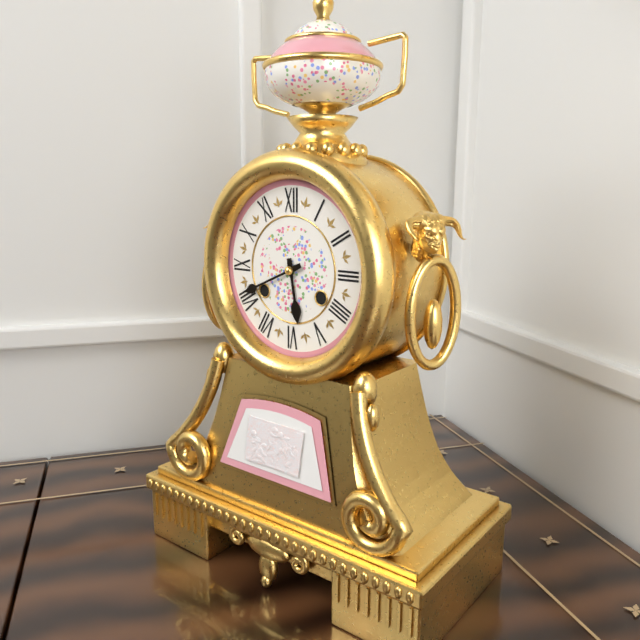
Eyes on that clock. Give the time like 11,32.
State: 5,41
